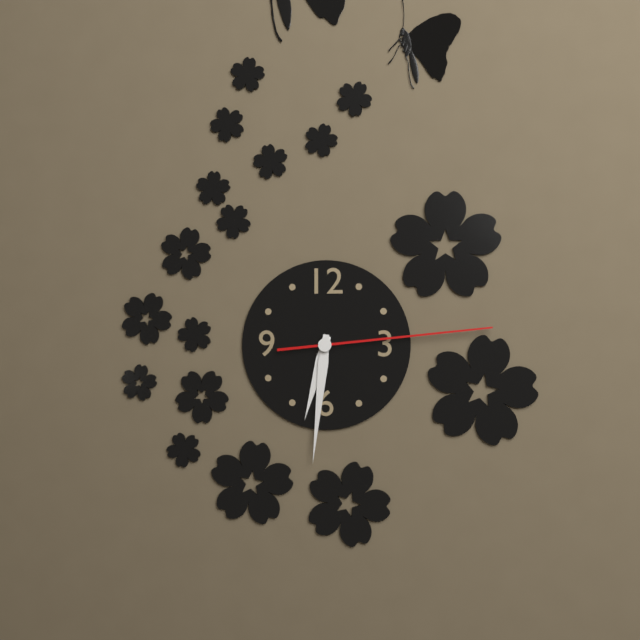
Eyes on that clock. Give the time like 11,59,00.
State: 6,31,14
